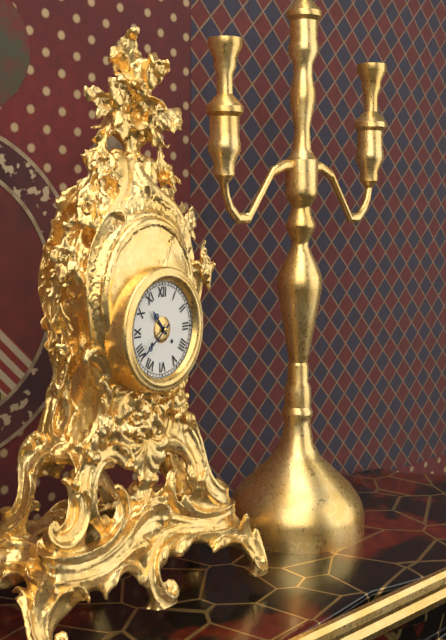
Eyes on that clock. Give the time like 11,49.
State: 10,39
